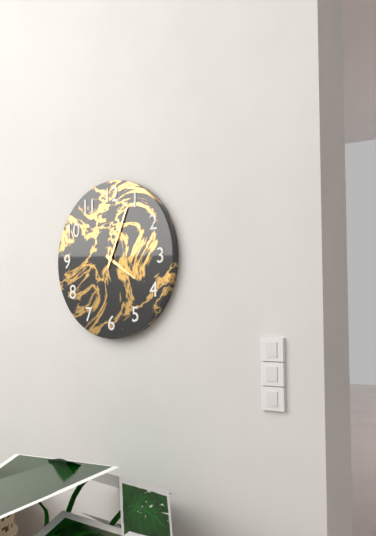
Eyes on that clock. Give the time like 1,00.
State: 4,04
